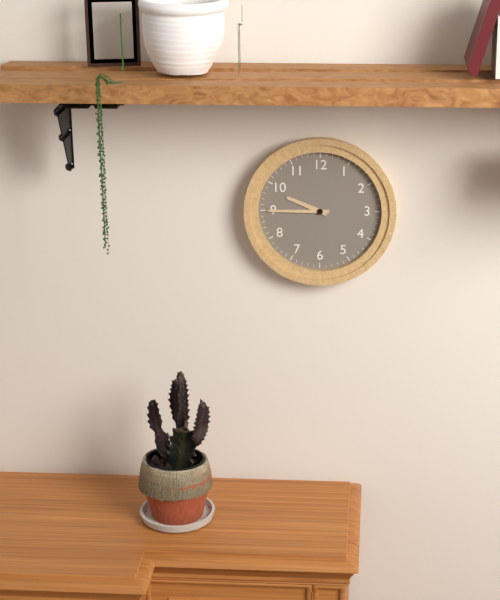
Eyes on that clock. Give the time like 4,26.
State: 9,45
